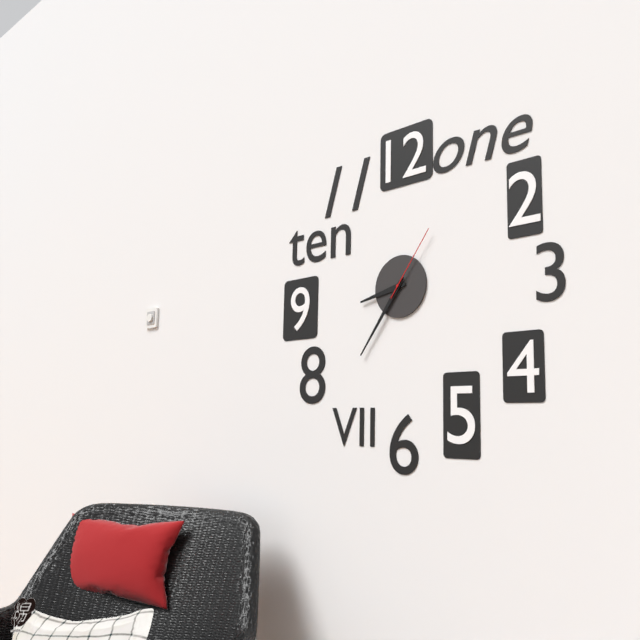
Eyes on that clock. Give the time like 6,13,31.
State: 8,36,06
